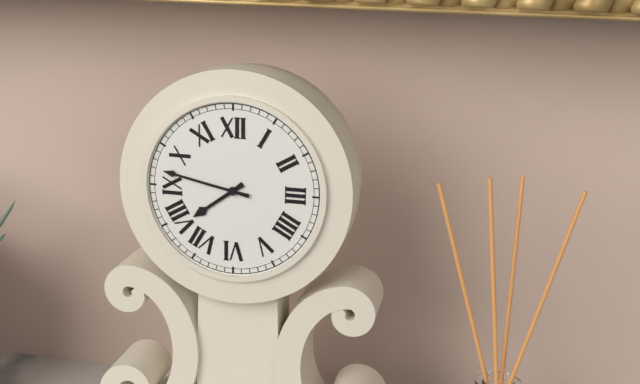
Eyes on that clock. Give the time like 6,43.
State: 7,47
